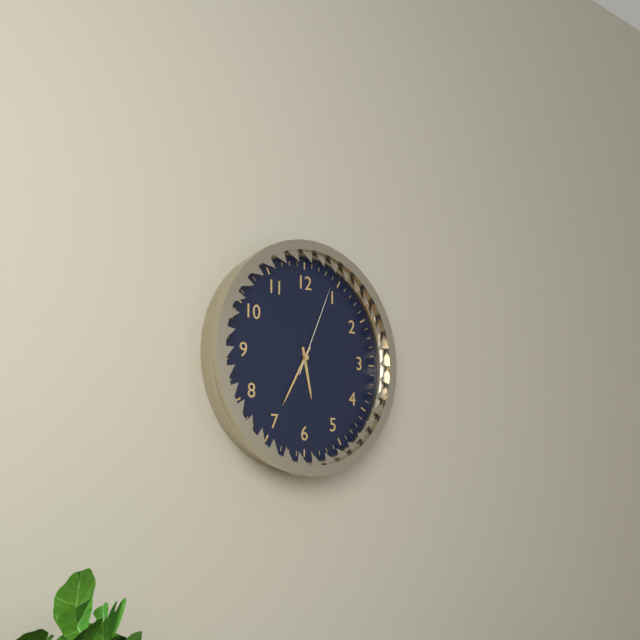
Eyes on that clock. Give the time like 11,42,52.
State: 5,35,04
